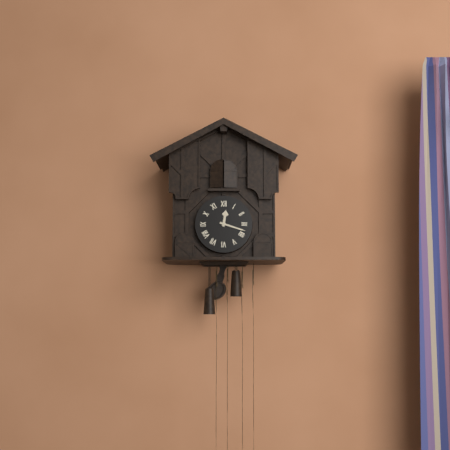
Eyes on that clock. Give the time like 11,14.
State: 12,18
